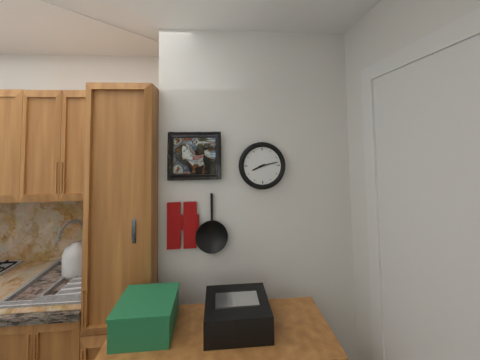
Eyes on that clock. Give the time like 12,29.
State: 8,13
